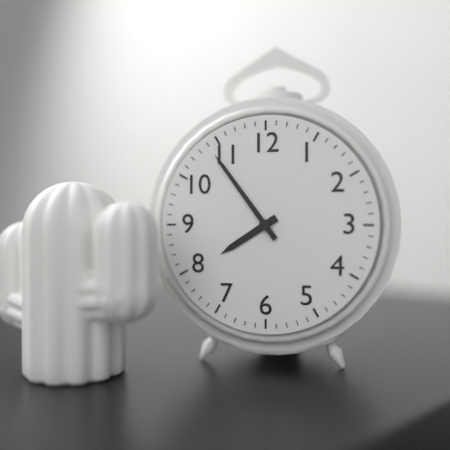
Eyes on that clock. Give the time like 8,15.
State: 7,54
